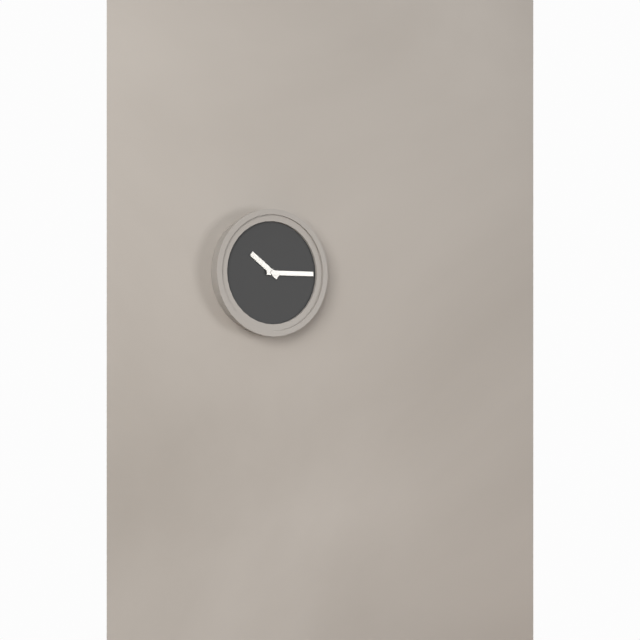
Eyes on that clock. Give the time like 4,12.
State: 10,15
